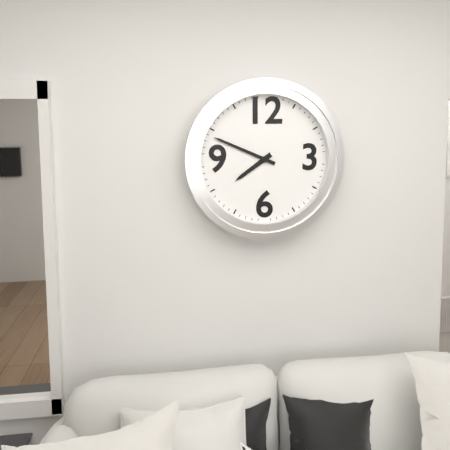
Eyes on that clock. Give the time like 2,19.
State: 7,49
